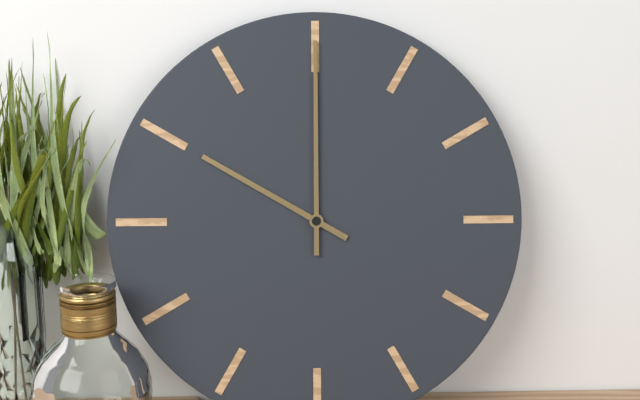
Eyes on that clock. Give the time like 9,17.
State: 10,00
